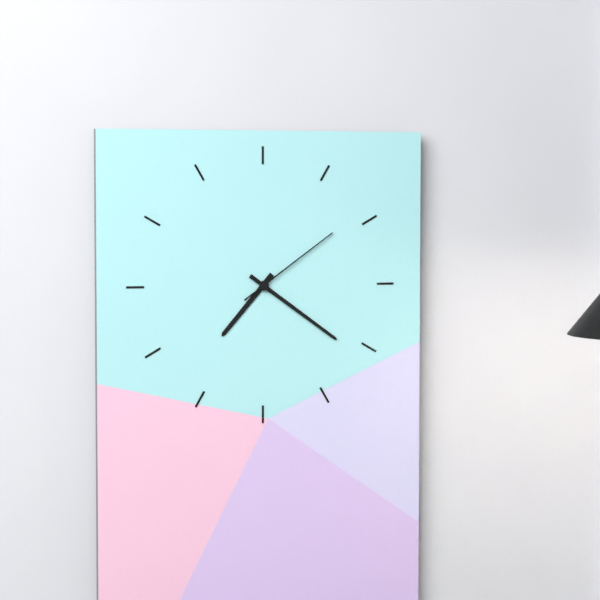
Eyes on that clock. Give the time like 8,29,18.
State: 7,21,09
